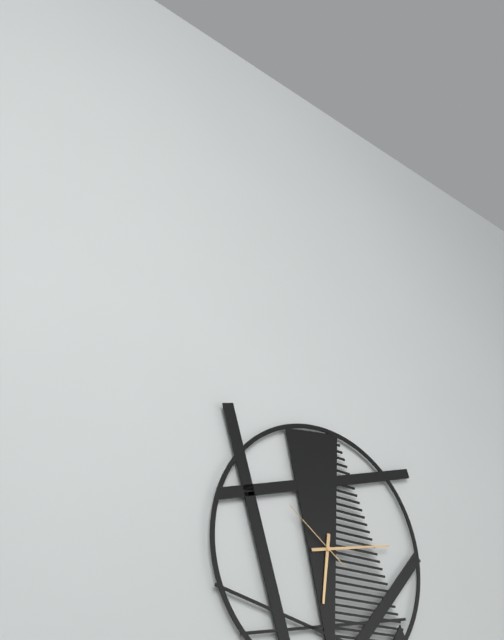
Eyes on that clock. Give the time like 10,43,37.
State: 6,13,51
